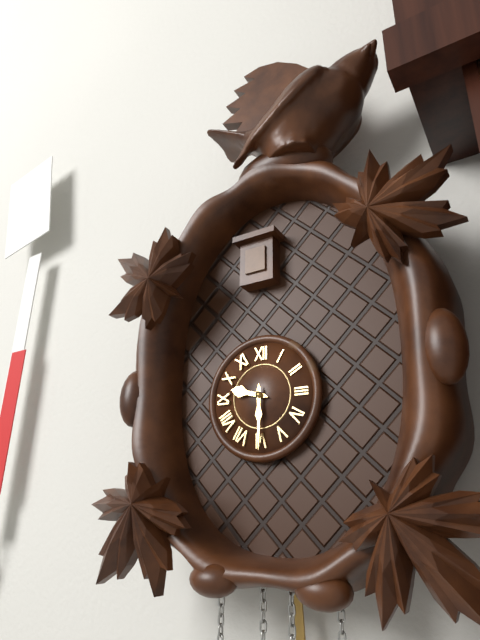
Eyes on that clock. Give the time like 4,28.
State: 9,30
